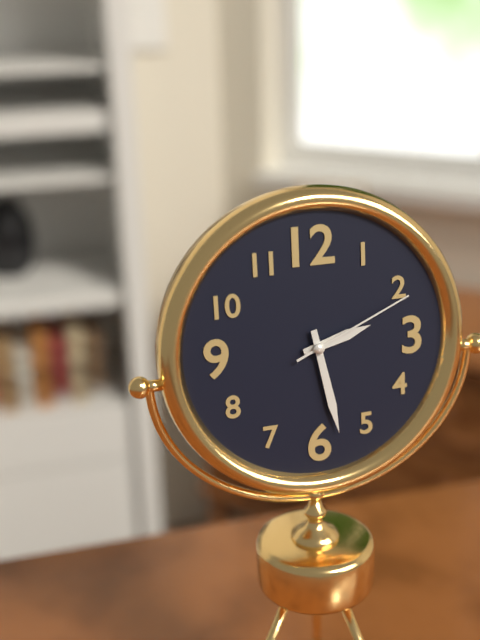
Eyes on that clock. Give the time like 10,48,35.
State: 2,28,11
